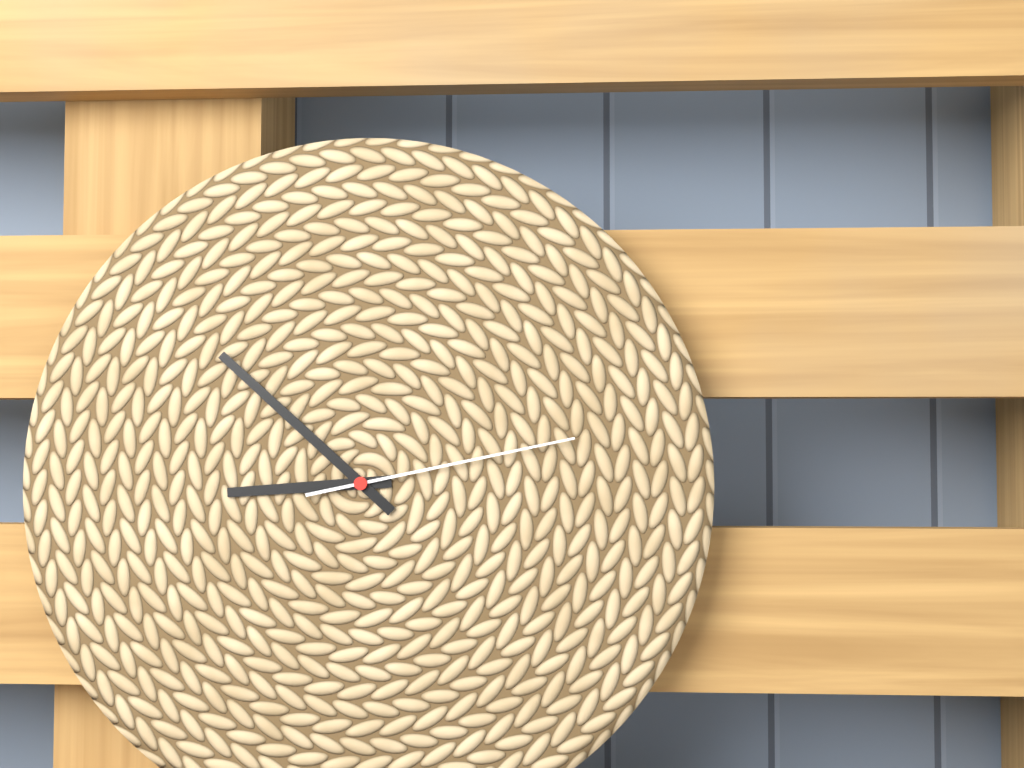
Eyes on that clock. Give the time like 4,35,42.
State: 8,52,13
